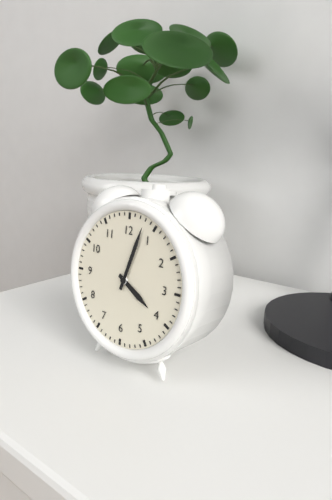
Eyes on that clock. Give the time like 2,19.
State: 4,03
